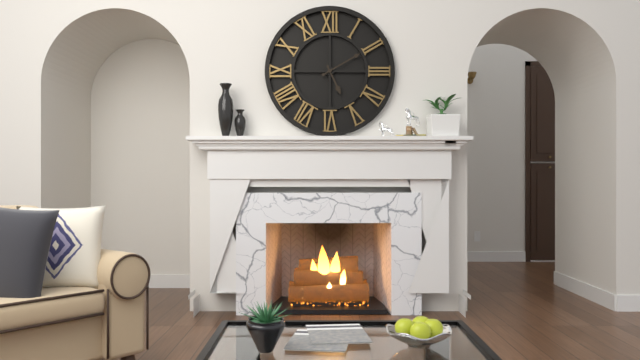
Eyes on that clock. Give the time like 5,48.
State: 5,10
